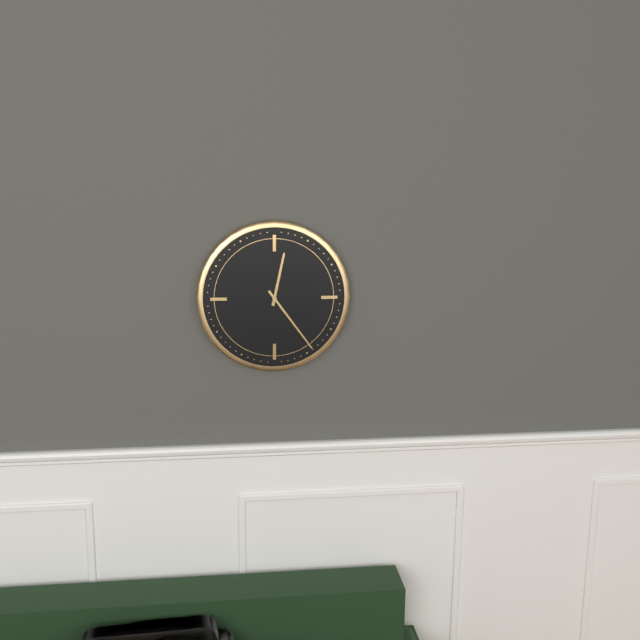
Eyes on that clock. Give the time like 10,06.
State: 12,24
